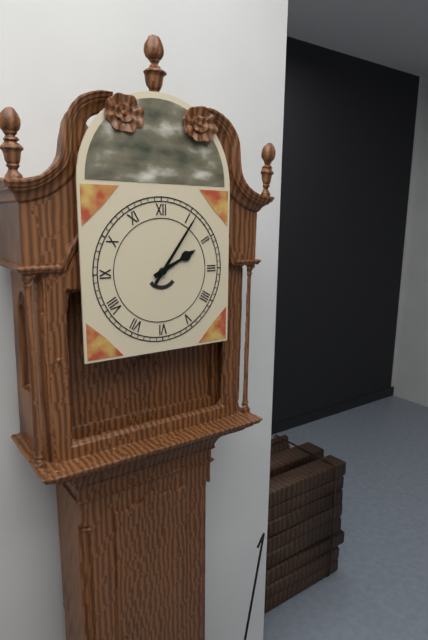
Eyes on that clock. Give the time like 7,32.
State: 2,06
